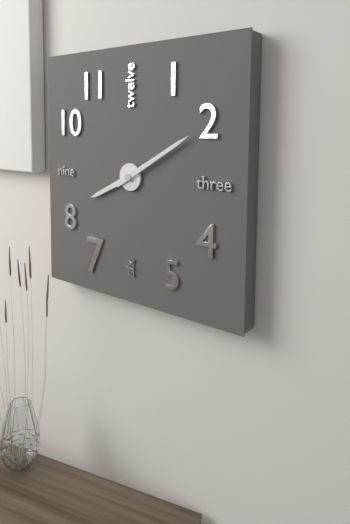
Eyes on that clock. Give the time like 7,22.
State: 8,10
